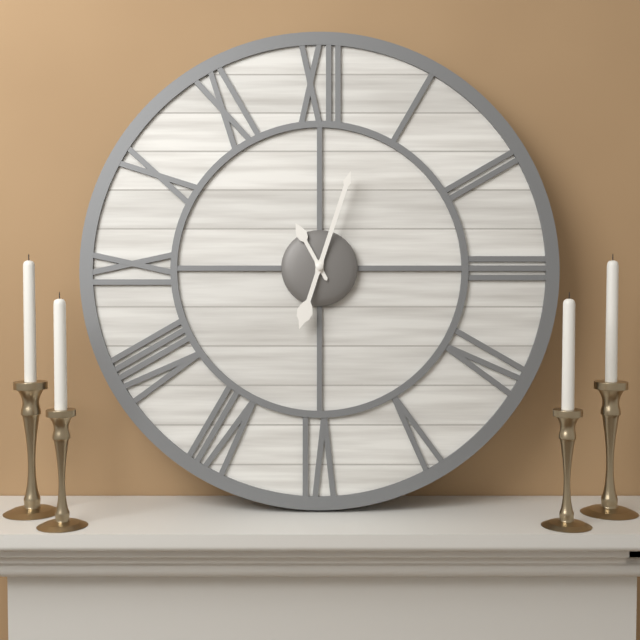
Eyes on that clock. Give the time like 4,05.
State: 11,03
